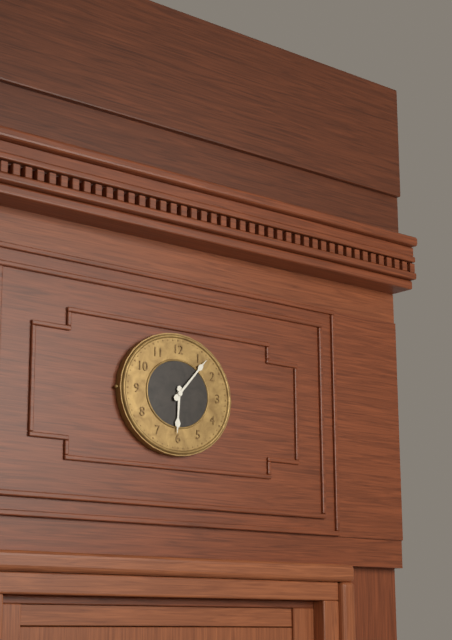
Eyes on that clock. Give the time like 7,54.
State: 6,07
